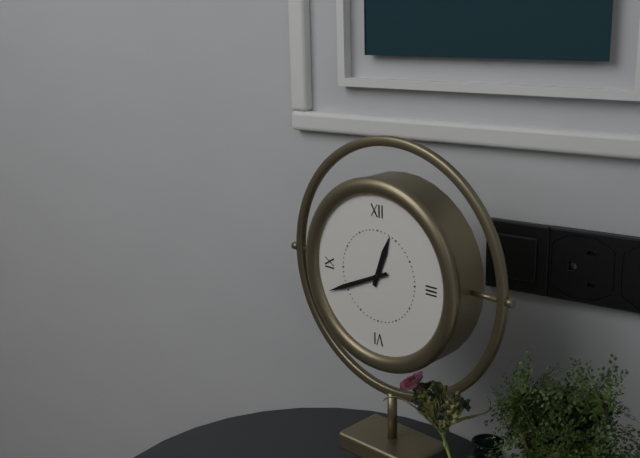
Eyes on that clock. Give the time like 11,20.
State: 12,41
